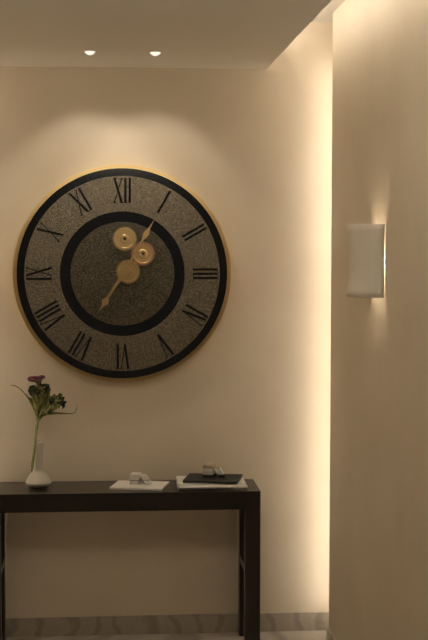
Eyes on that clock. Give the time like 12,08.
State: 7,05
